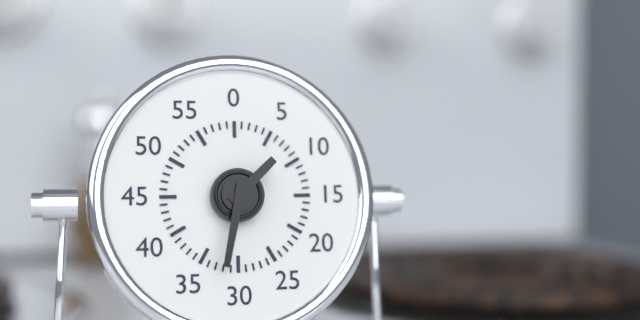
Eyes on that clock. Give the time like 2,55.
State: 1,32
